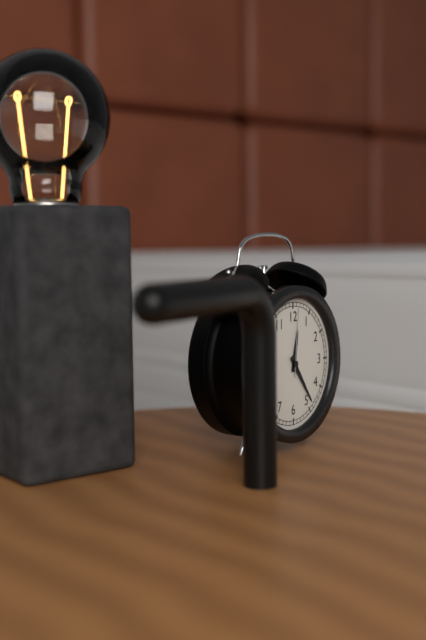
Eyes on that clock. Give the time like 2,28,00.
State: 12,24,01
